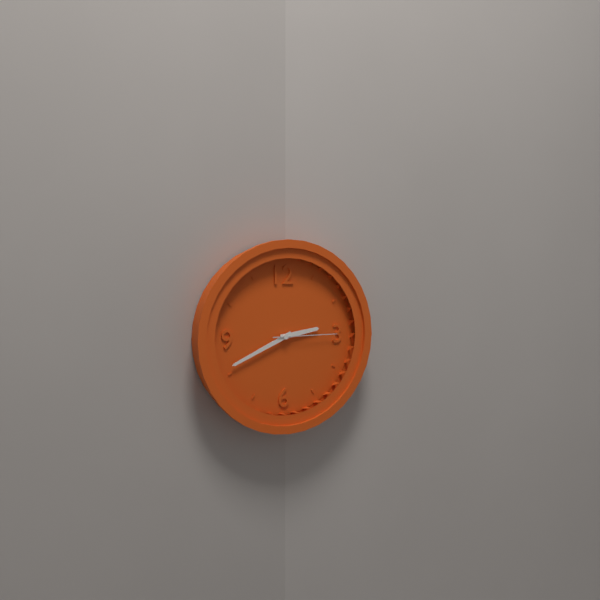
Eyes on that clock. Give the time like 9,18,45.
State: 2,41,15
